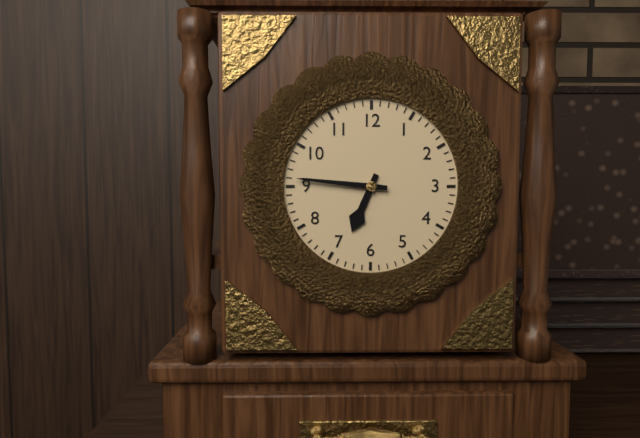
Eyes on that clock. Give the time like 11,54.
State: 6,46
